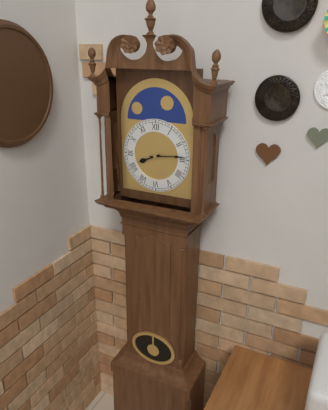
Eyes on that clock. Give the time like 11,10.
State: 8,14
